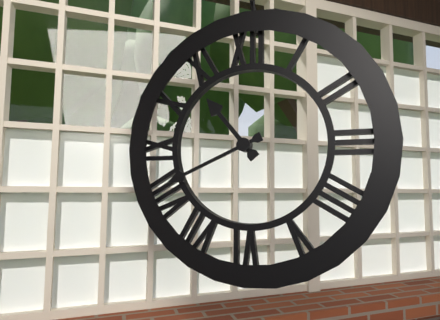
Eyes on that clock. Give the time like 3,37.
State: 10,41
